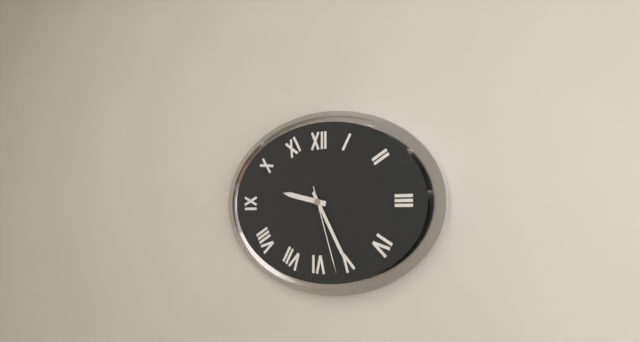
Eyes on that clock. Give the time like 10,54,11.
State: 9,25,27
